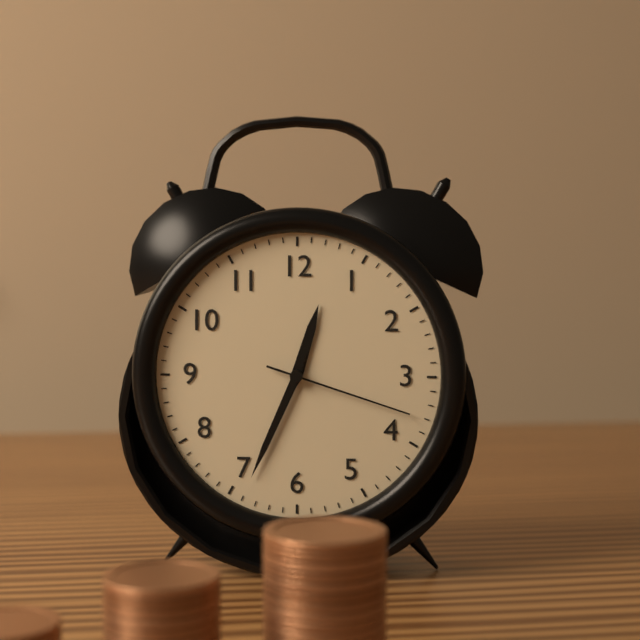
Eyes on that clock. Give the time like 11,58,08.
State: 12,34,18
